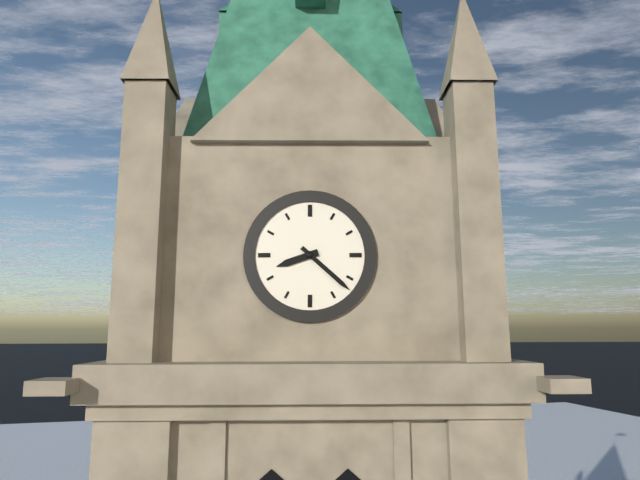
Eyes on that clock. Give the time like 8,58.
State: 8,22
